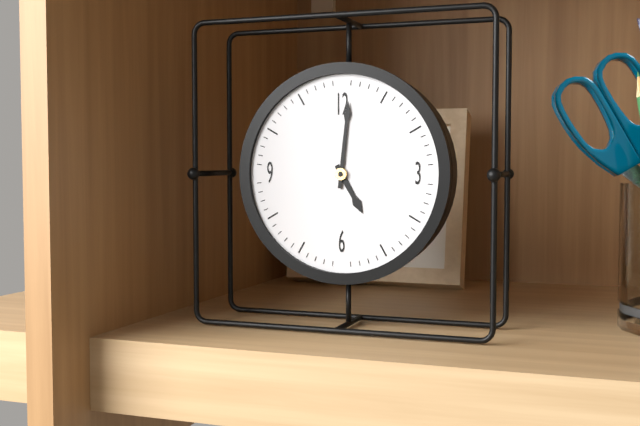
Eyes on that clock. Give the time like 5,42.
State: 5,01
